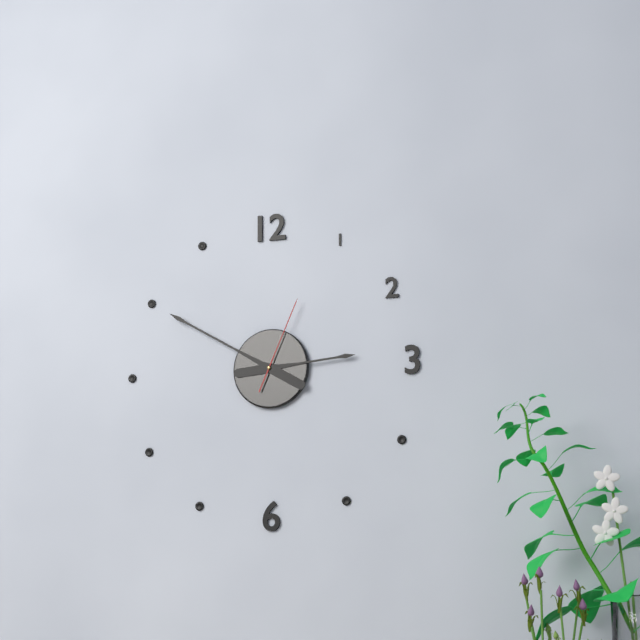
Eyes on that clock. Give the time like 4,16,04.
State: 2,50,04
